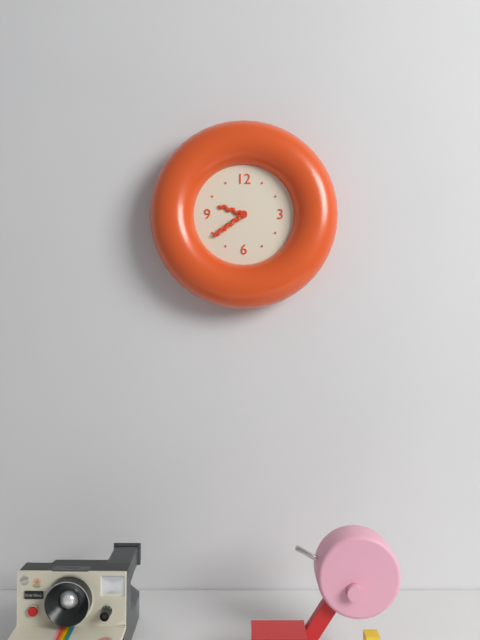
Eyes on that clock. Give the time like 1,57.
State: 9,39
